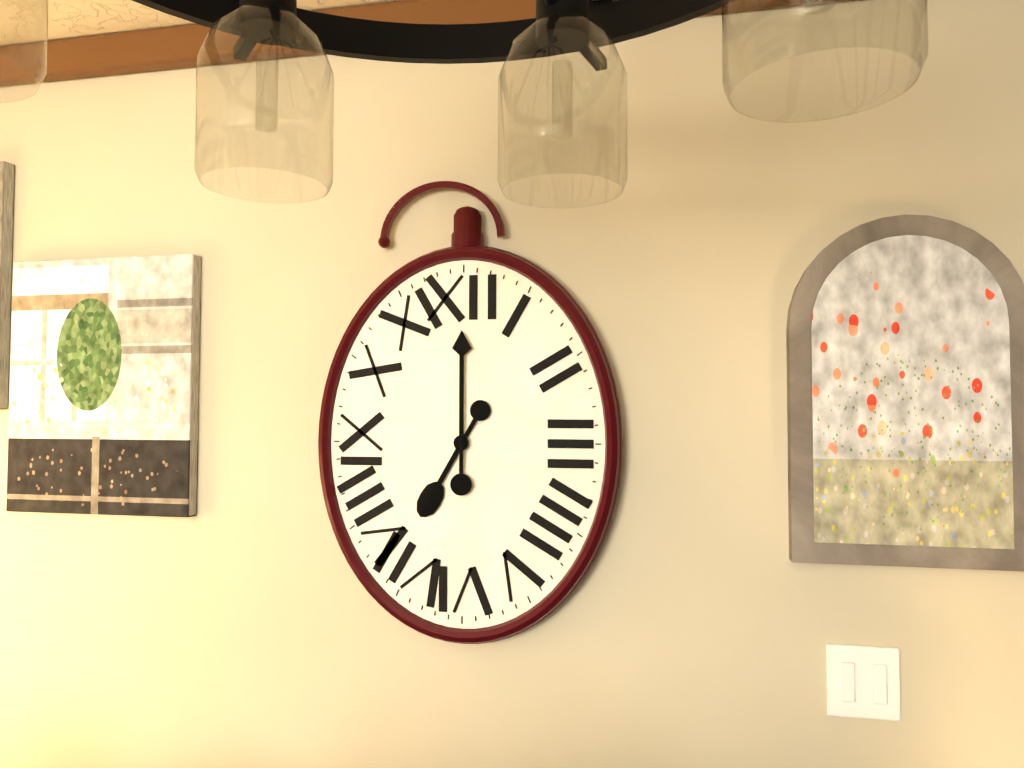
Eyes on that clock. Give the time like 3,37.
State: 7,00
